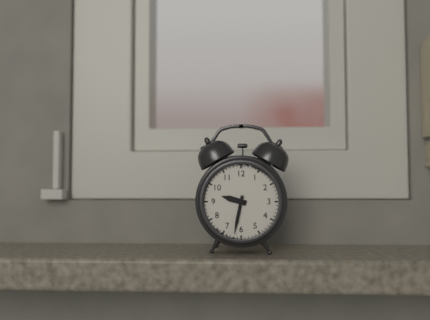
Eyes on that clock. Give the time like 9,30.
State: 9,32
